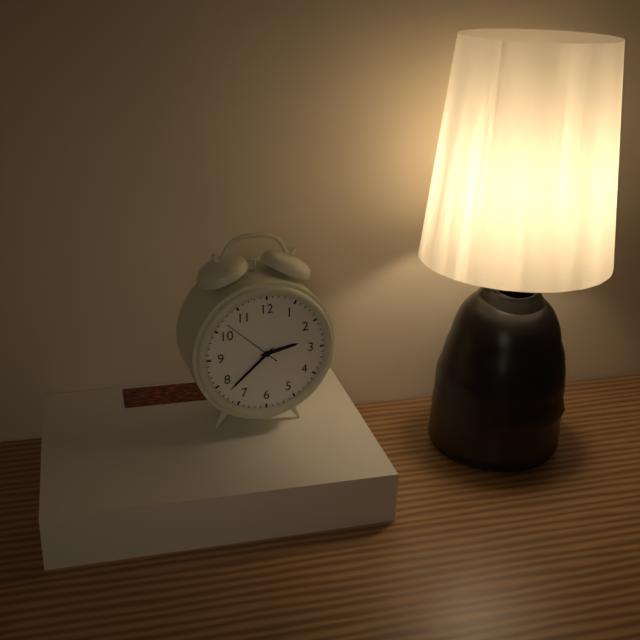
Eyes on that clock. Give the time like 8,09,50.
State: 2,38,52
